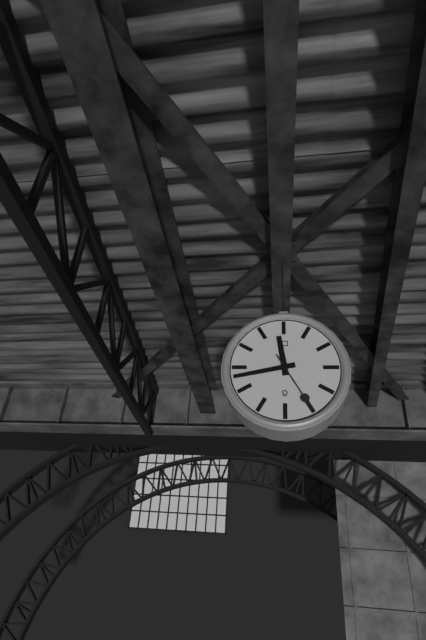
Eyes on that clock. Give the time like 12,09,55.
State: 11,43,25
